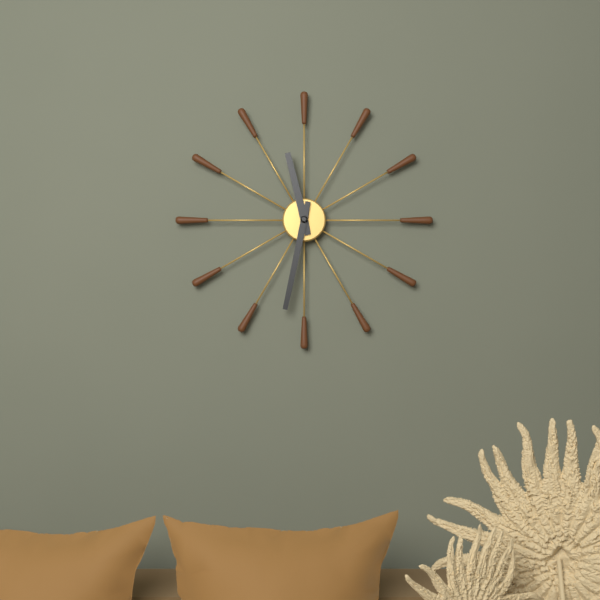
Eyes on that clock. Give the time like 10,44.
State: 11,32
